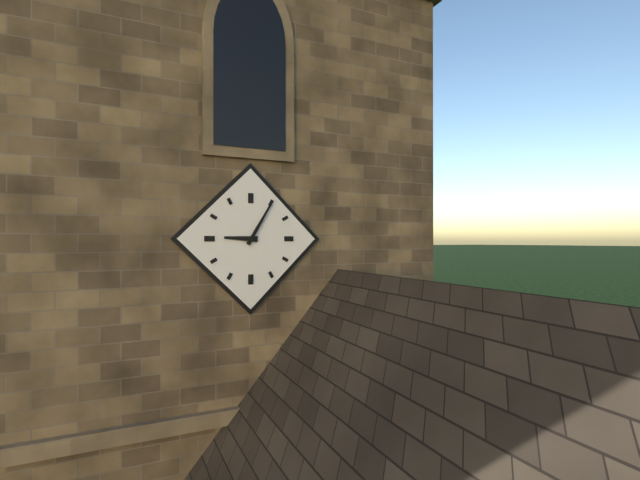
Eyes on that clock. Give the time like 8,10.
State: 9,05
